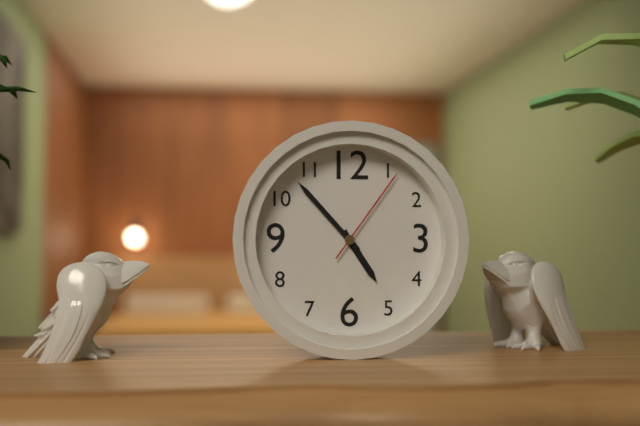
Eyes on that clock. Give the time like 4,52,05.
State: 4,53,06
